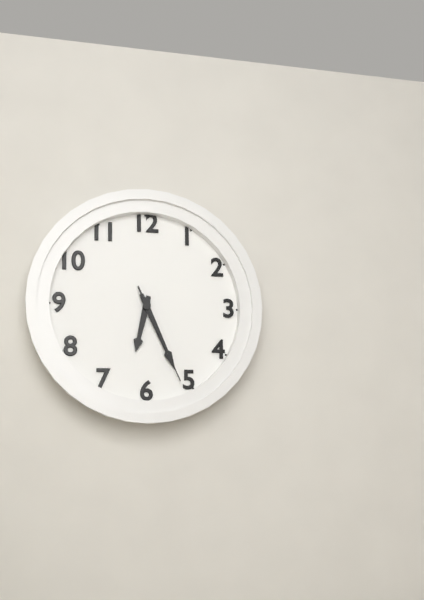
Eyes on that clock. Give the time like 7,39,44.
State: 6,26,26
